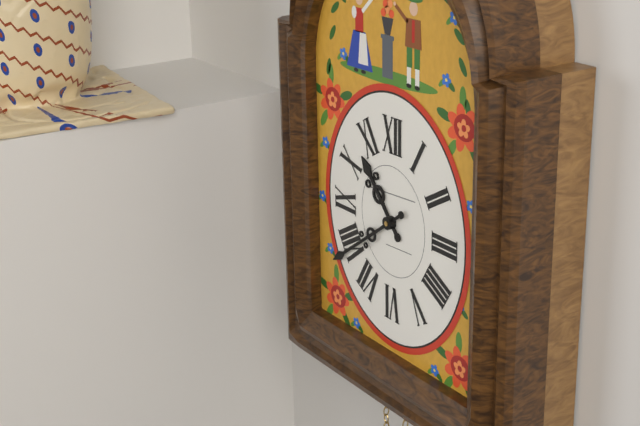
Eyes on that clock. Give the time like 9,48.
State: 10,39
